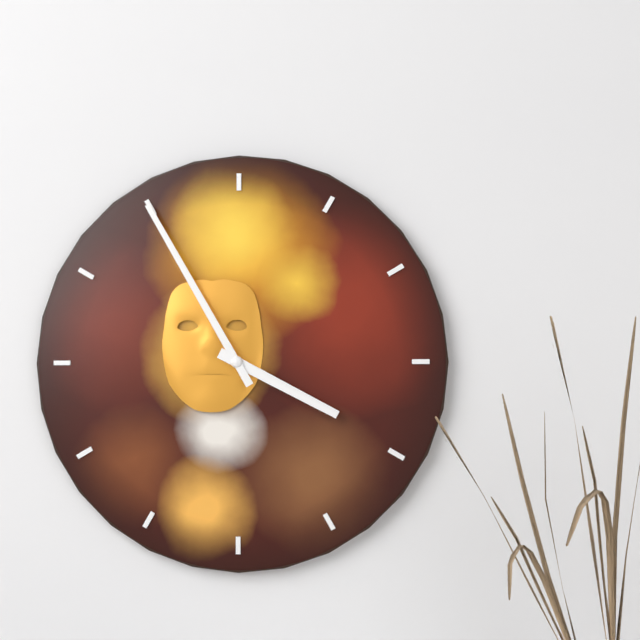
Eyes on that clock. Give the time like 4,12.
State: 3,55
